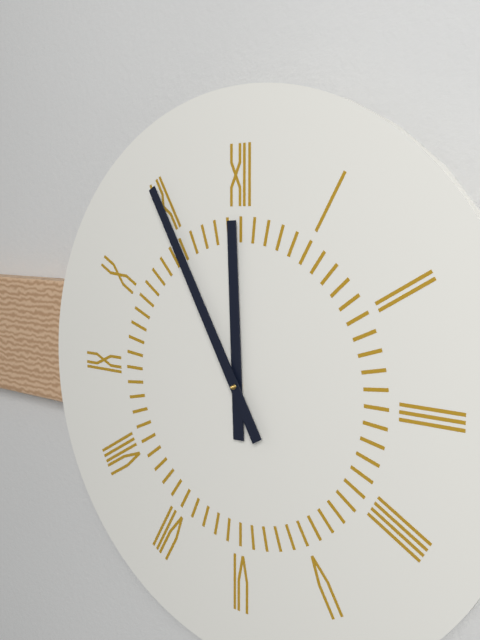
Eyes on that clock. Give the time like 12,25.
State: 11,55
